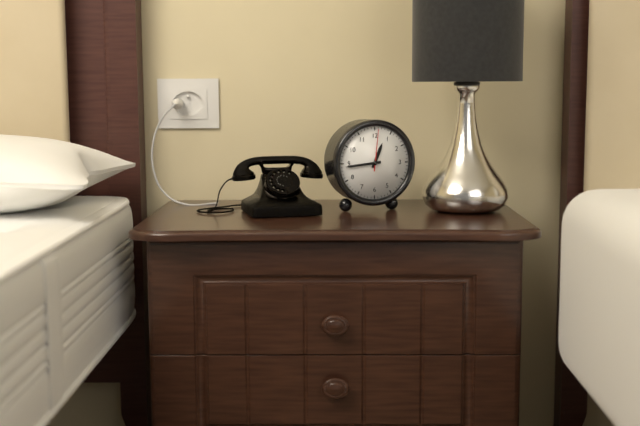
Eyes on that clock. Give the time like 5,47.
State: 12,44
